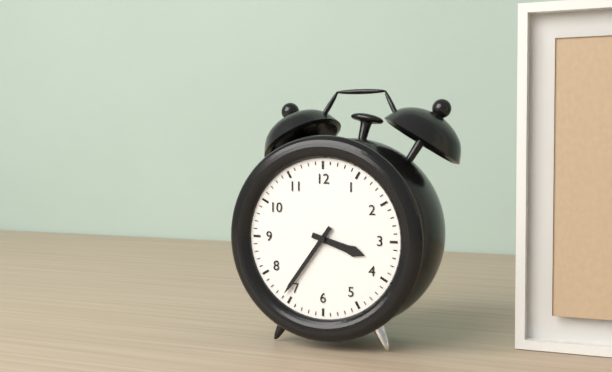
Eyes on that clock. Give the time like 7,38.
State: 3,36
